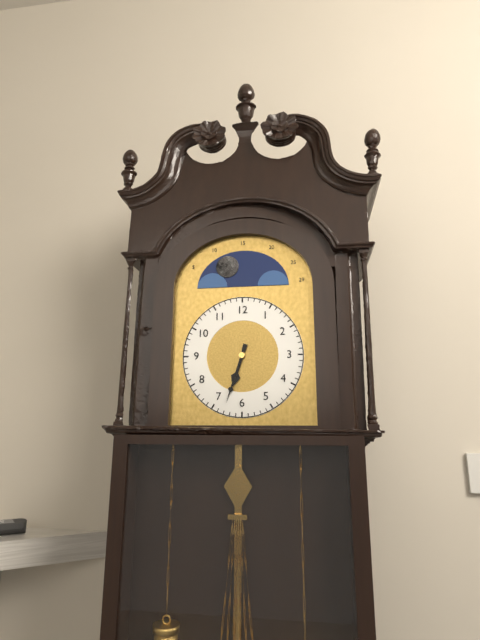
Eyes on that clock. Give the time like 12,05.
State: 6,33
